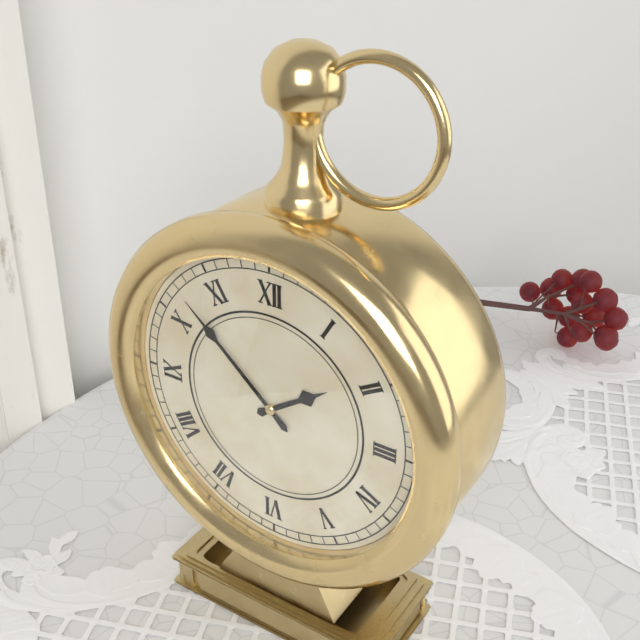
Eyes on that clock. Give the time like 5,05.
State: 1,52
